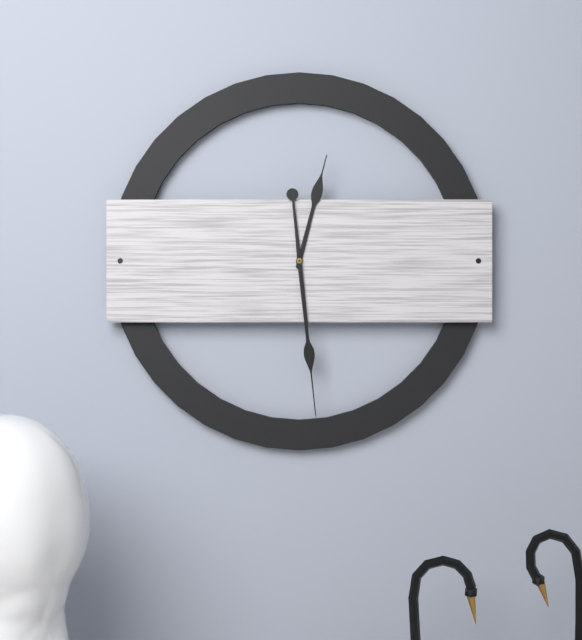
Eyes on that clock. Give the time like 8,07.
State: 12,29
